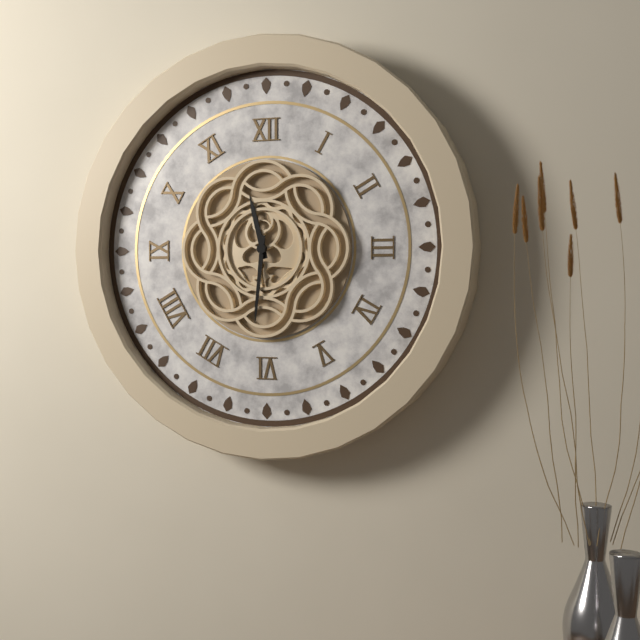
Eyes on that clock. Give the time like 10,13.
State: 11,31
